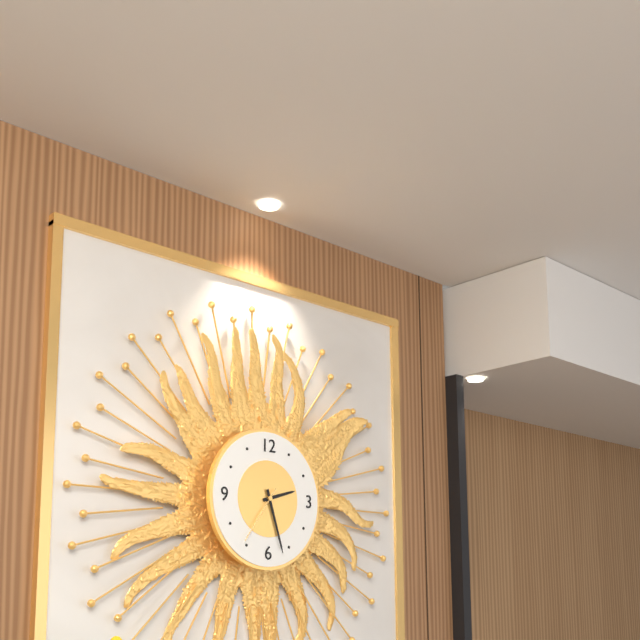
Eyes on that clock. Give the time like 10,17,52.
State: 2,27,36
